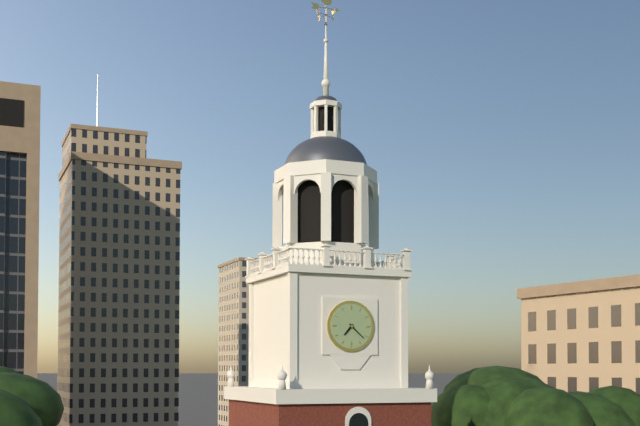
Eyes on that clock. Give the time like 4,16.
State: 7,22
